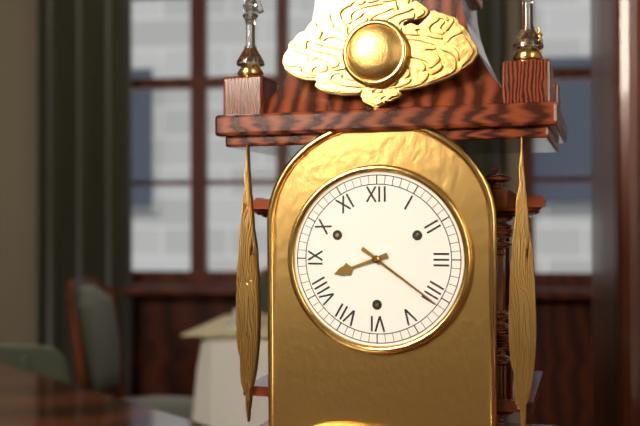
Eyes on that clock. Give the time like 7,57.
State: 8,21
